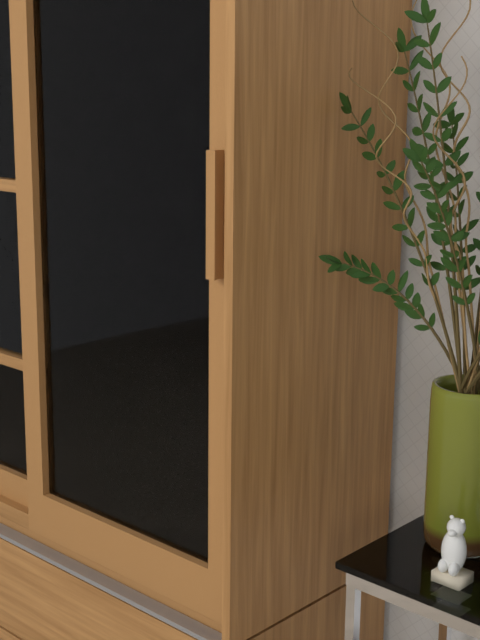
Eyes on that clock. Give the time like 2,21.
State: 1,19
